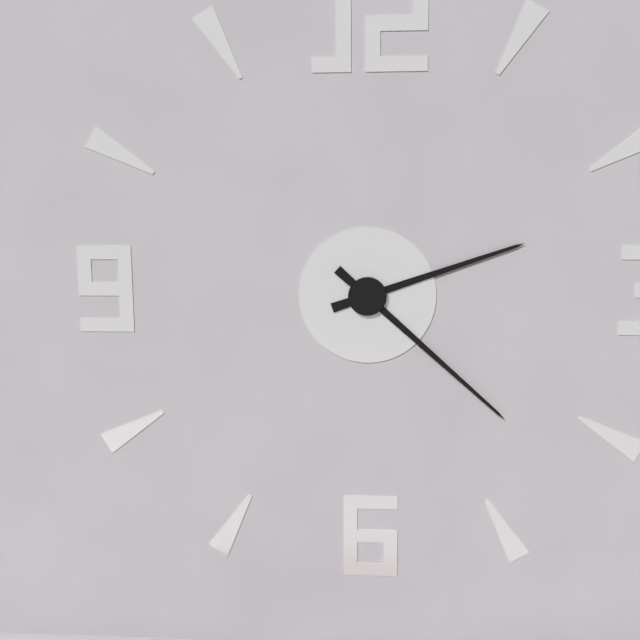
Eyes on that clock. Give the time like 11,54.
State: 2,22
